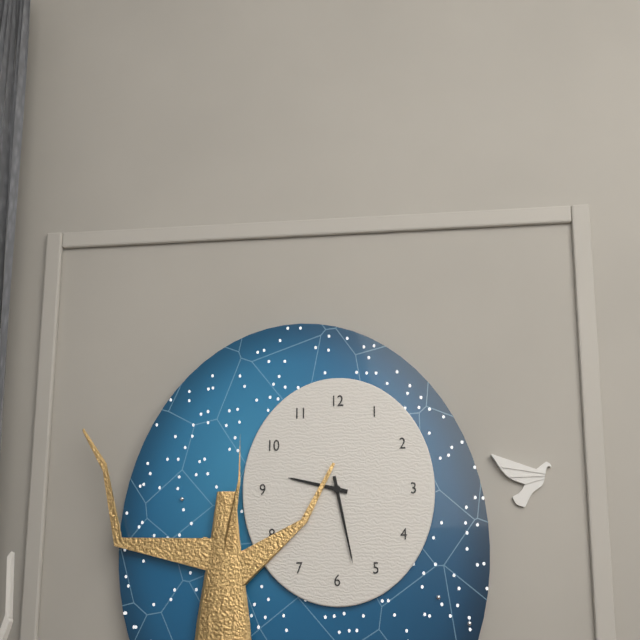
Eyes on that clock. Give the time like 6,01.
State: 9,28
